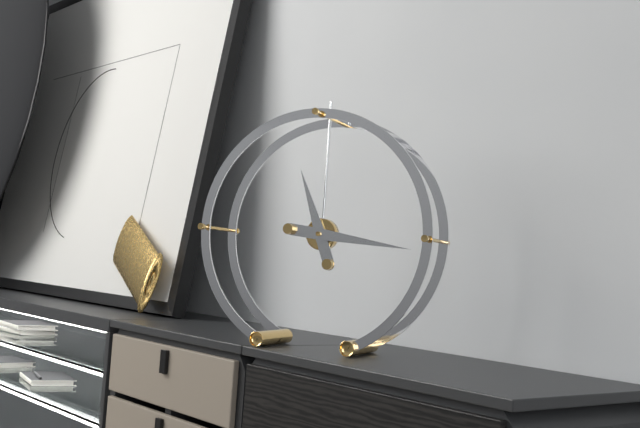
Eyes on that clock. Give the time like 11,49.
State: 11,16
